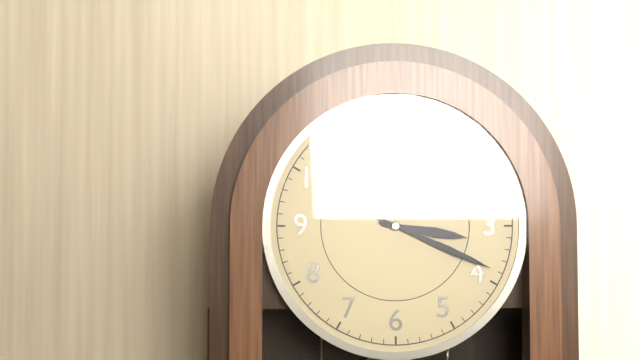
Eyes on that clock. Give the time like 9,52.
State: 3,19
